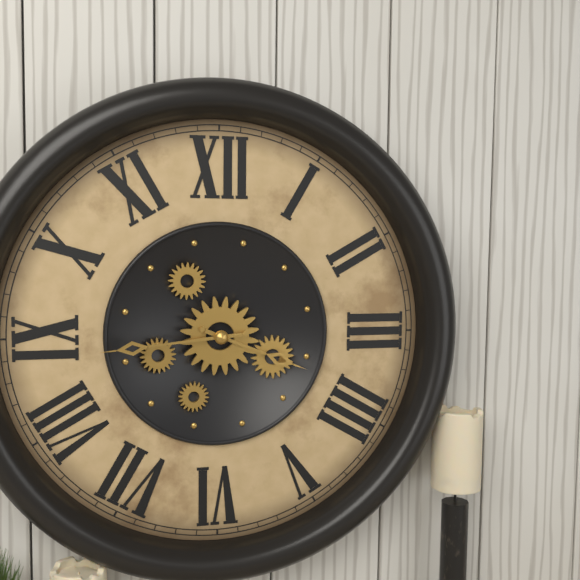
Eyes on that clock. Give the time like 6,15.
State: 3,44
